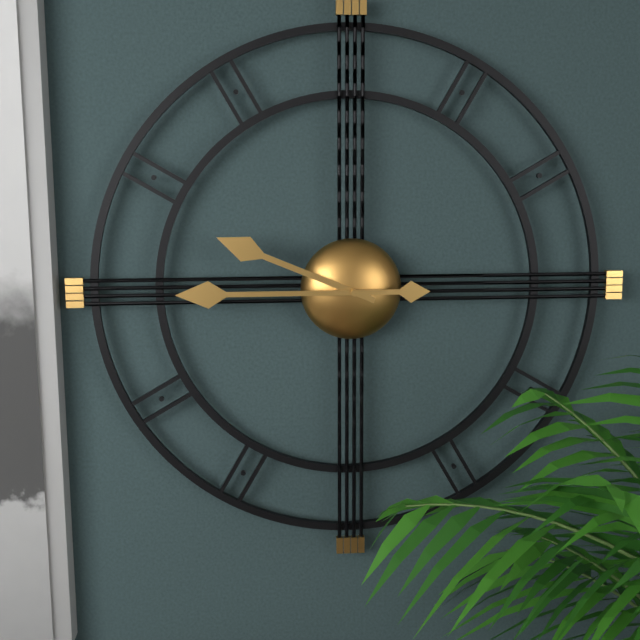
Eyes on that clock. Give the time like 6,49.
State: 9,45
